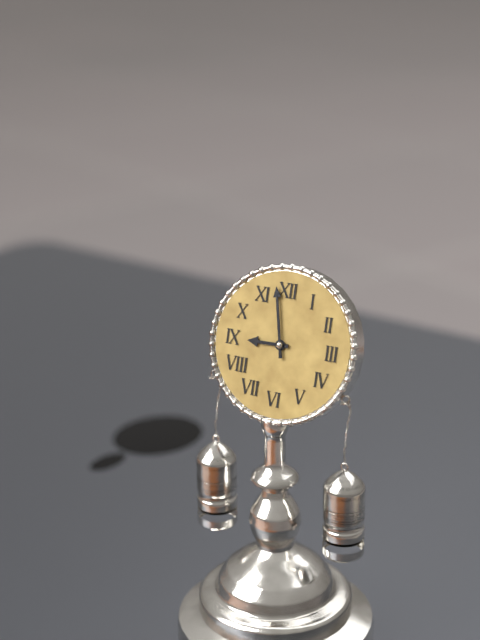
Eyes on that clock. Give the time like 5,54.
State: 8,58
